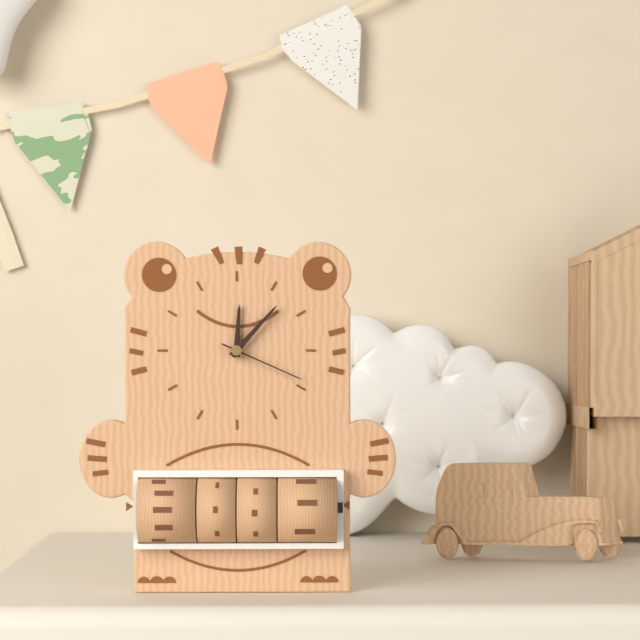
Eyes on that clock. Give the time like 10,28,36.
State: 12,07,19
